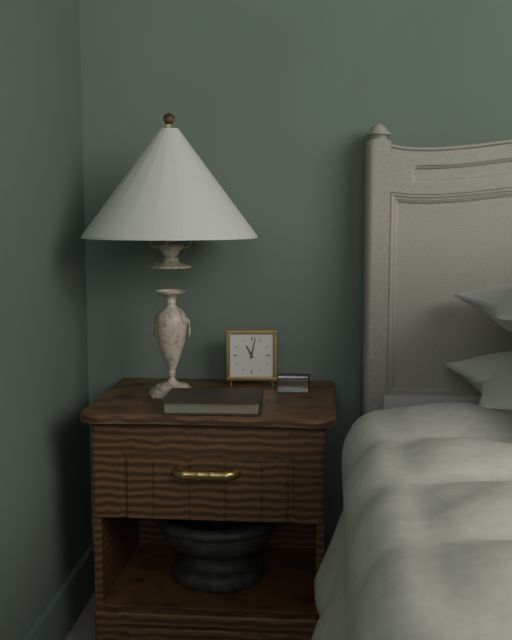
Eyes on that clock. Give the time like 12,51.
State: 11,02
